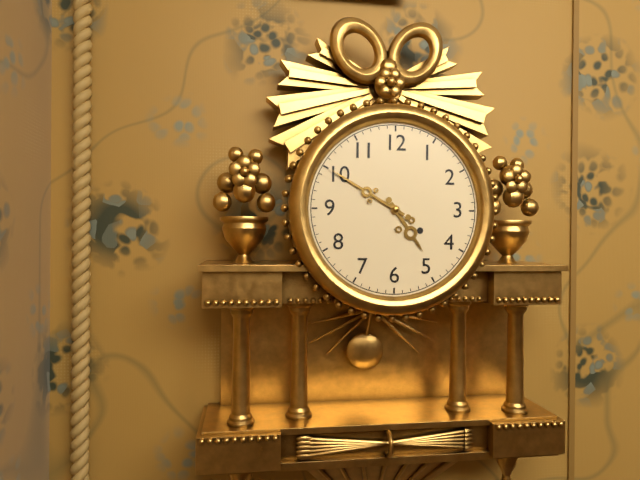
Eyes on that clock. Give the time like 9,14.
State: 4,50
